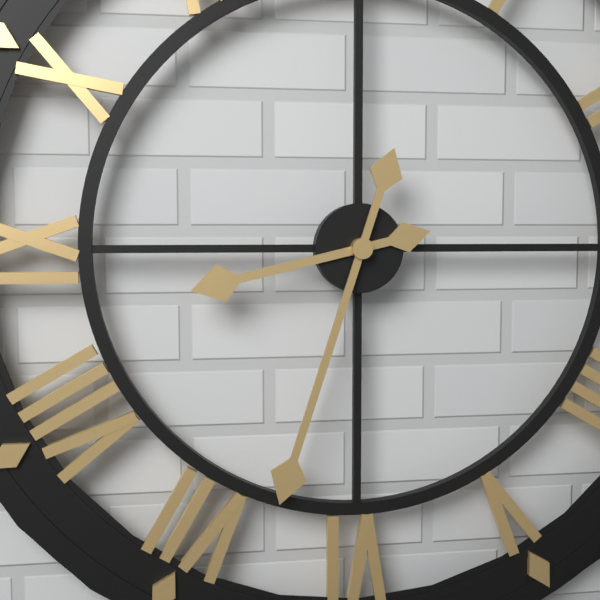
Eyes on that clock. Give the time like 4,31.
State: 8,33
